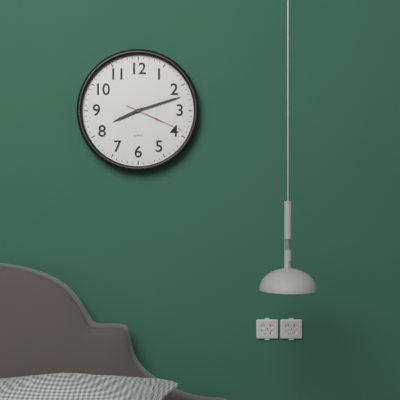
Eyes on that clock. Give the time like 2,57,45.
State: 8,12,19
